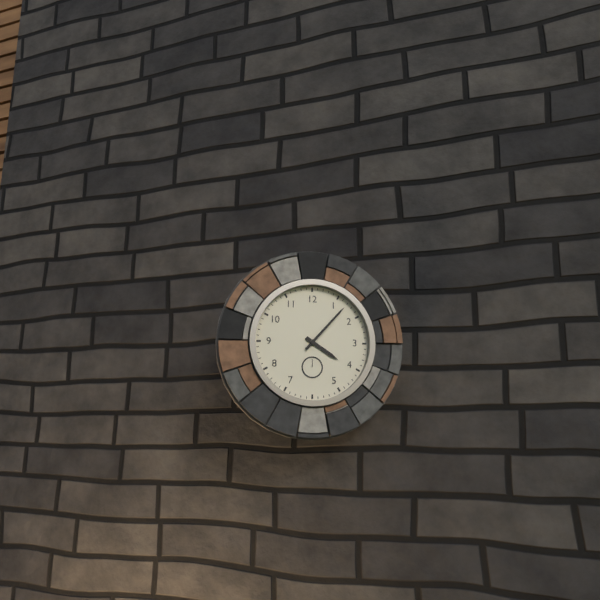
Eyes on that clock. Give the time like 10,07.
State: 4,07
